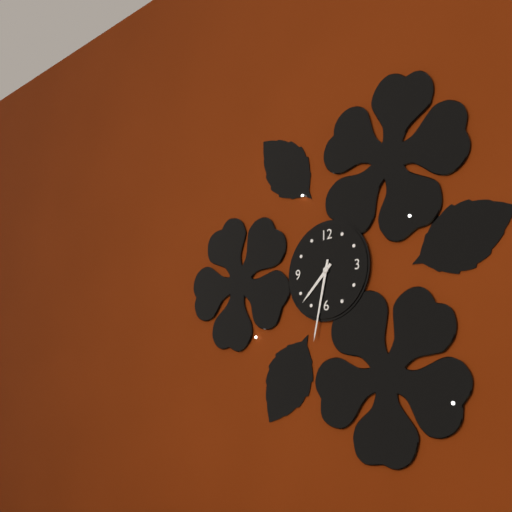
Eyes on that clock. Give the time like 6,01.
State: 7,32
